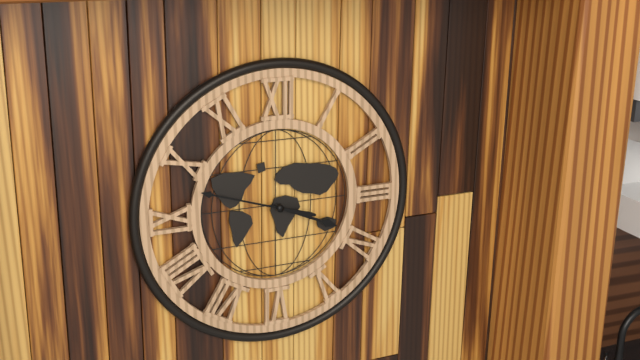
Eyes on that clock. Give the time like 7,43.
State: 3,48
